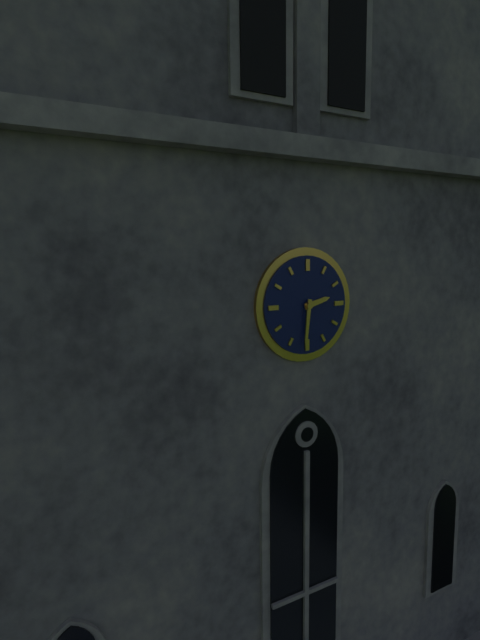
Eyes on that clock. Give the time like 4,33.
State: 2,31
